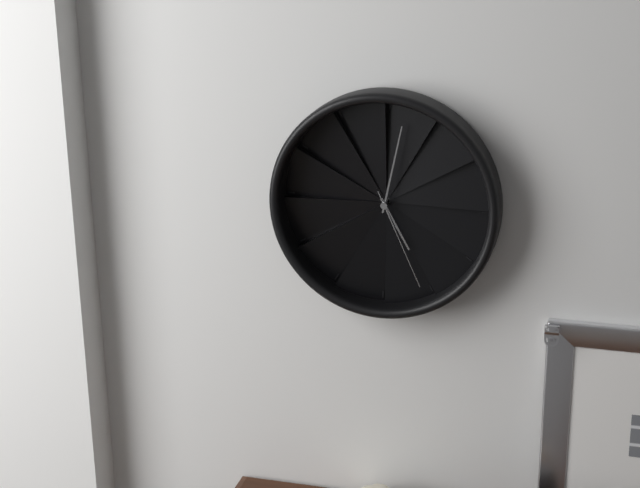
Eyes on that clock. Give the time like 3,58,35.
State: 5,02,26
